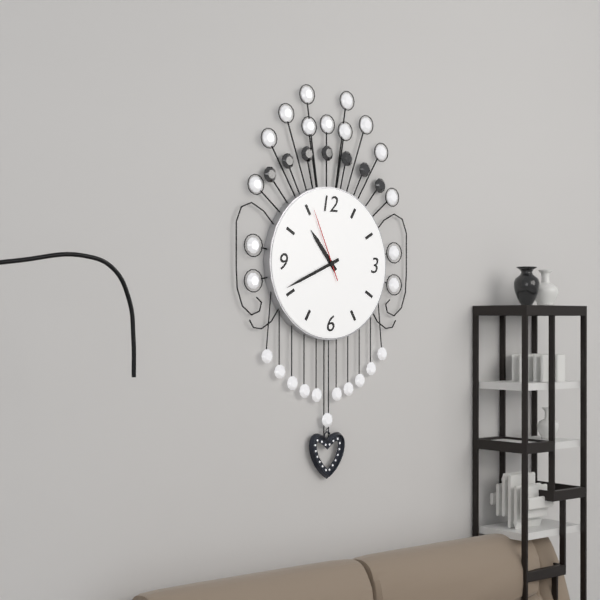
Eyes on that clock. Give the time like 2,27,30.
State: 10,41,56
